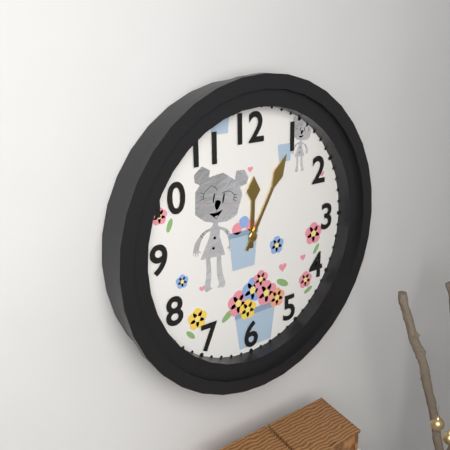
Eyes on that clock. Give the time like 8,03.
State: 12,05
